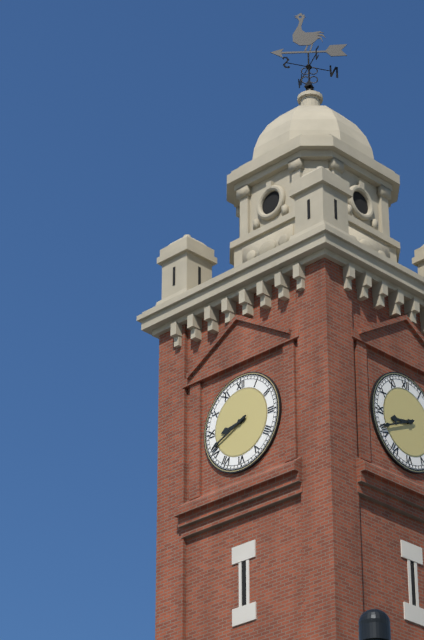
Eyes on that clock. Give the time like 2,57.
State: 8,41
